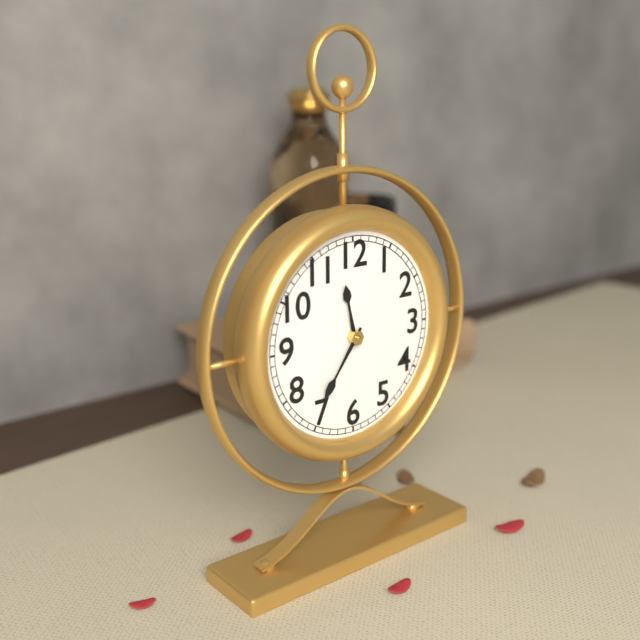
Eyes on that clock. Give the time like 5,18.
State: 11,36
